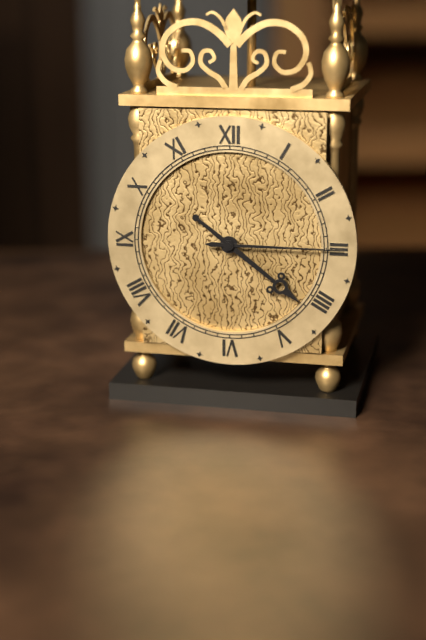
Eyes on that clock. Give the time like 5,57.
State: 4,15
